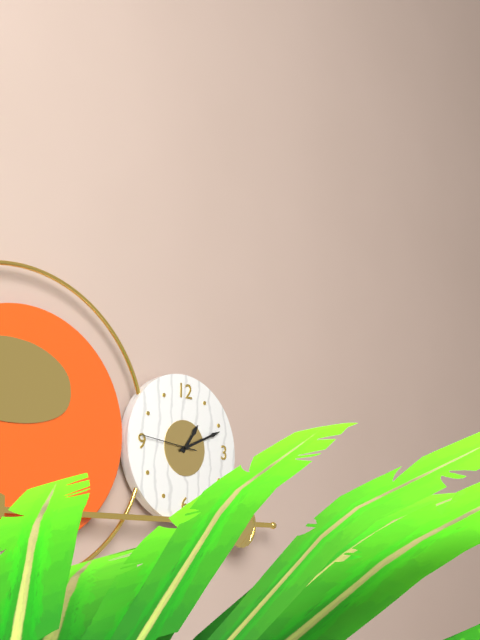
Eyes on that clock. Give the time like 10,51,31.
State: 1,11,46
